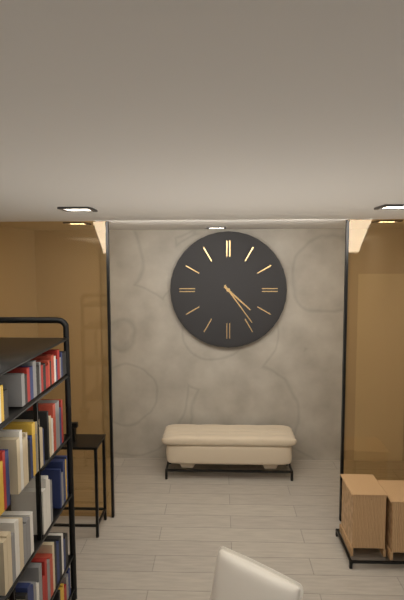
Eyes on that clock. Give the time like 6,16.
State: 4,24
